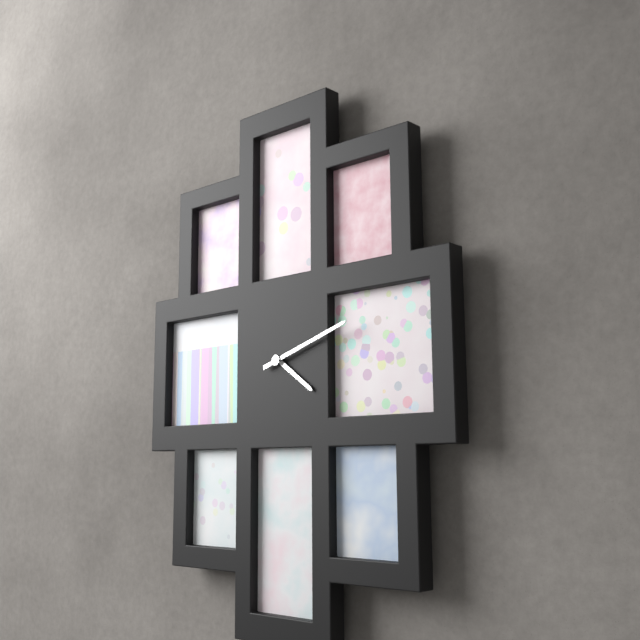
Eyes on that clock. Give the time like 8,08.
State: 4,12
